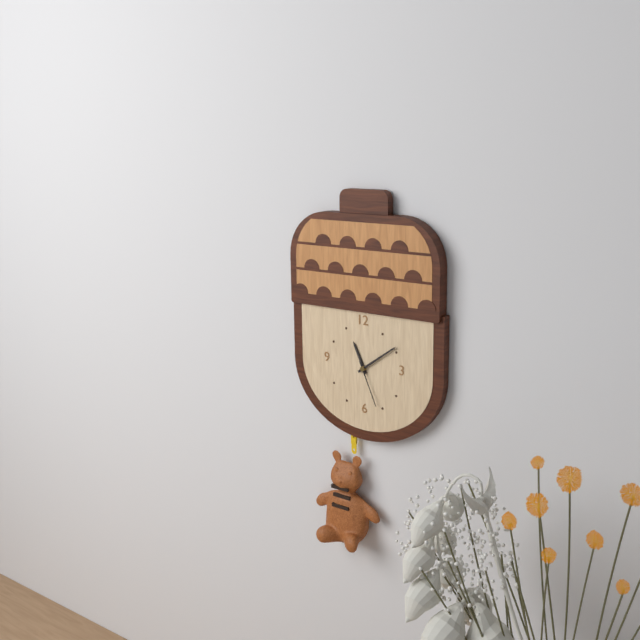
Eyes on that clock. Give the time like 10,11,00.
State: 11,09,26
